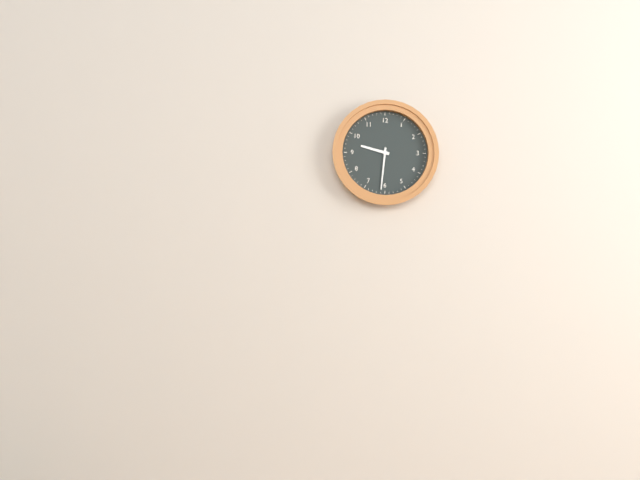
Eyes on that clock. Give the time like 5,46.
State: 9,31
